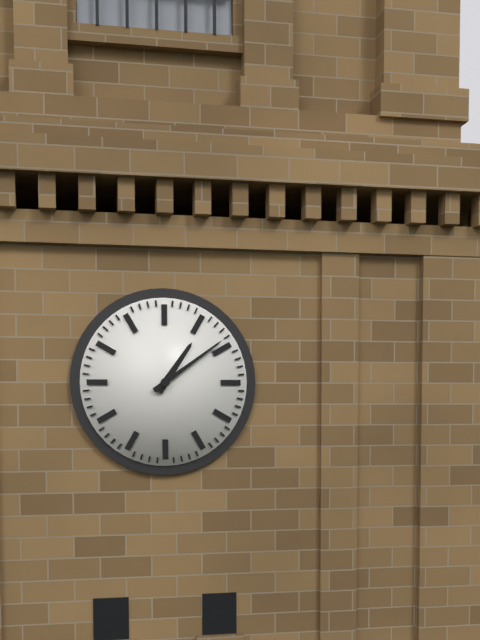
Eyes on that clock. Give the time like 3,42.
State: 1,09
